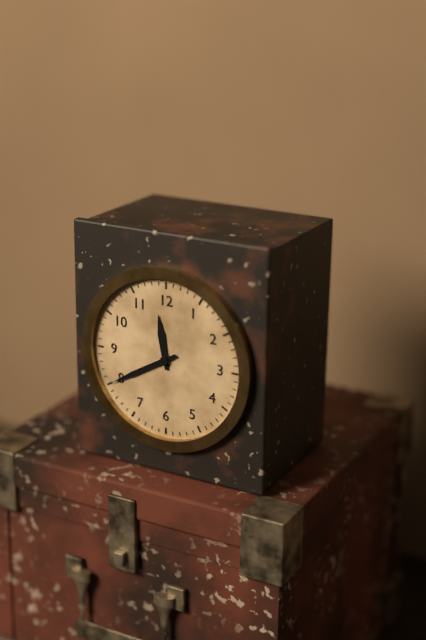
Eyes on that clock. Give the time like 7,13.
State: 11,40
